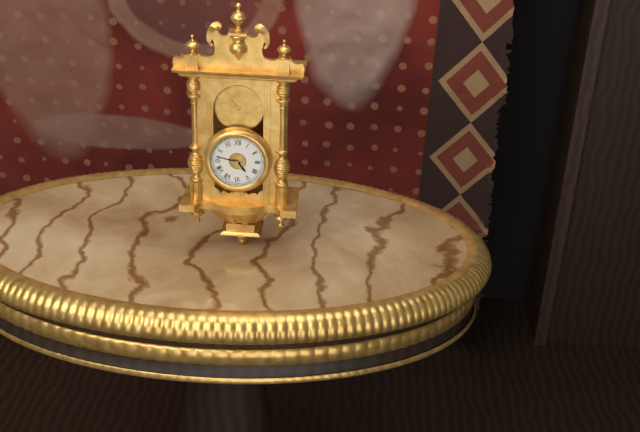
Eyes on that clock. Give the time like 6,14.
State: 4,47
